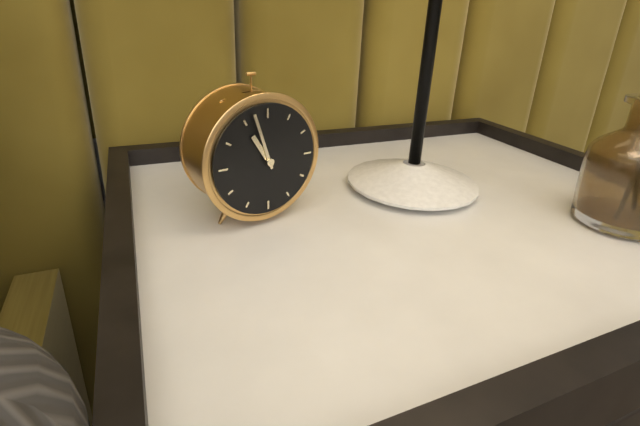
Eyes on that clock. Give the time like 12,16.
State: 10,57
